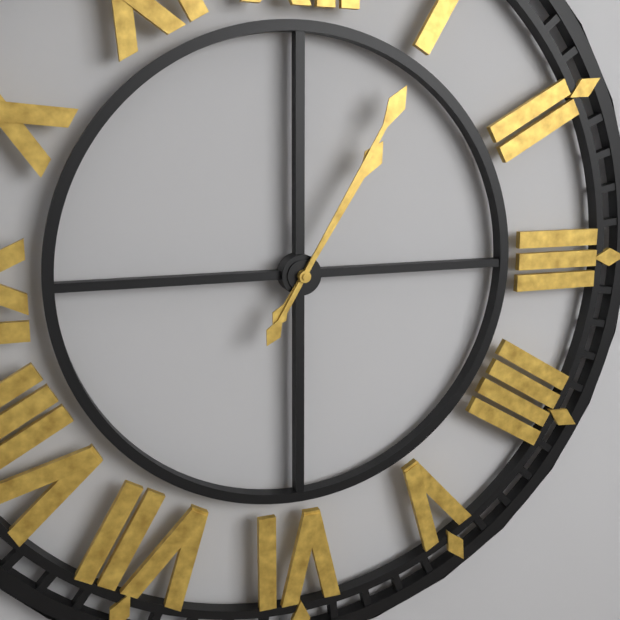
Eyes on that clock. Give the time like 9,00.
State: 1,05
